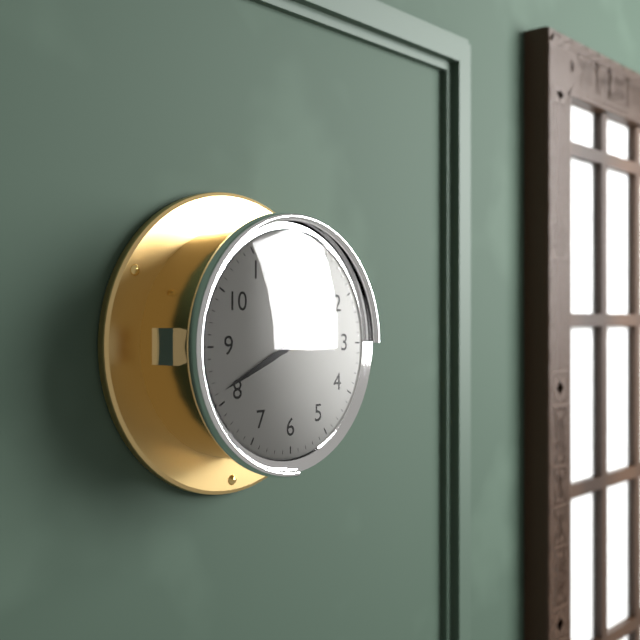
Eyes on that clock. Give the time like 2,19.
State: 1,41
